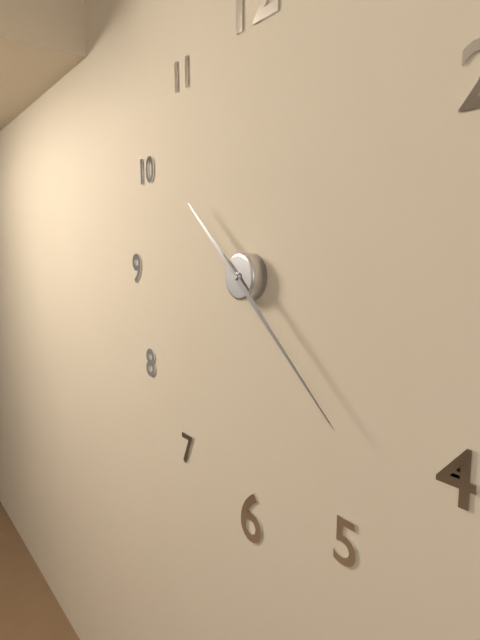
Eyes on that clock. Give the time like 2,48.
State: 10,22
